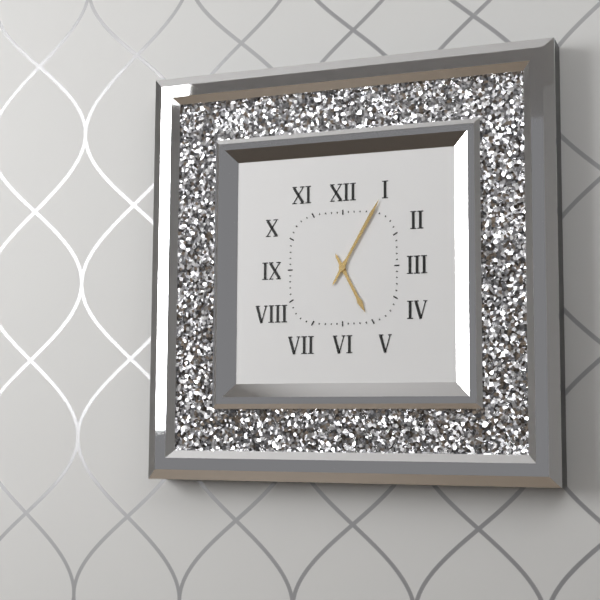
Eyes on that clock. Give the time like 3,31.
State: 5,05
